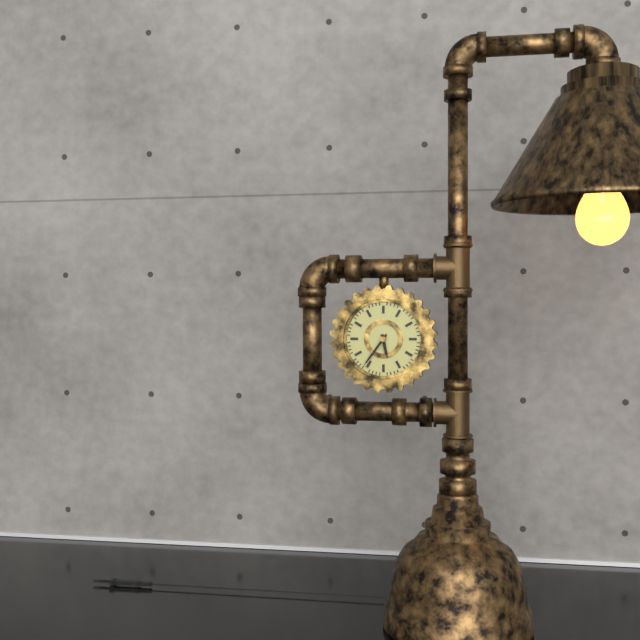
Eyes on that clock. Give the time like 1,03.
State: 5,36
